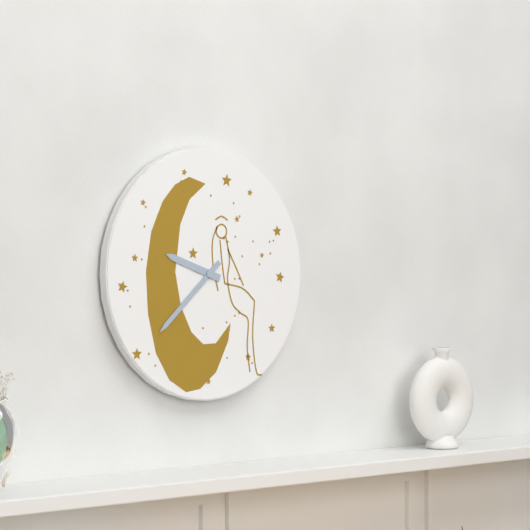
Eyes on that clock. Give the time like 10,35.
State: 9,38
